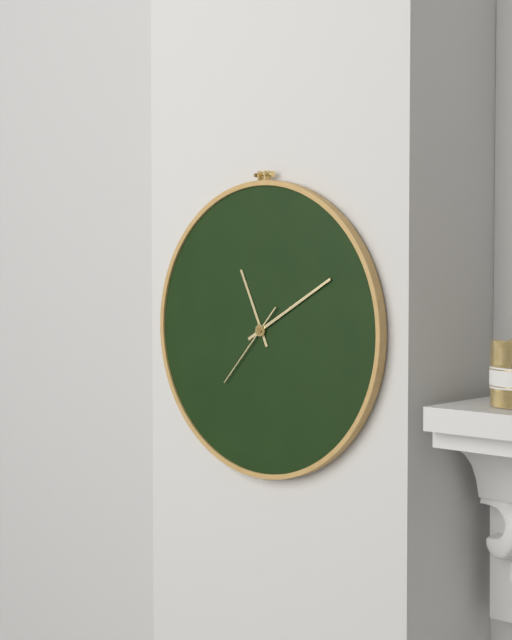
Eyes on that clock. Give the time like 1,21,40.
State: 11,10,37
